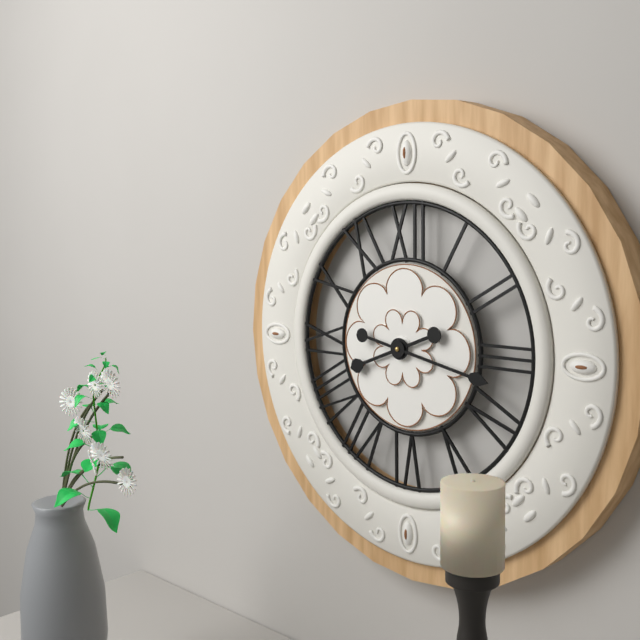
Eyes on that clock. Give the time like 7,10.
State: 8,17
